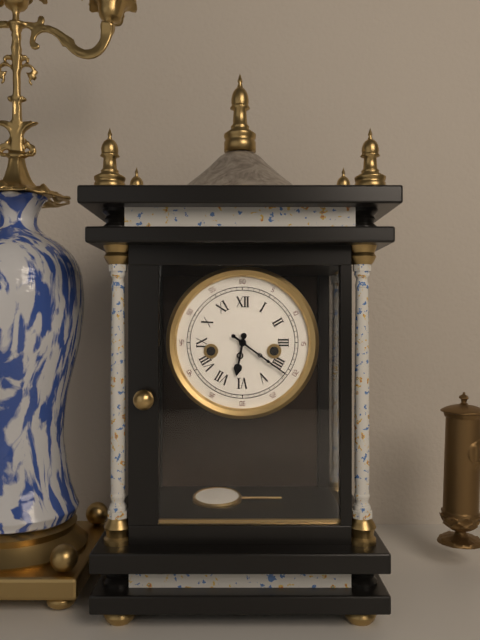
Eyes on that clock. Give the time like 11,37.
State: 6,21
